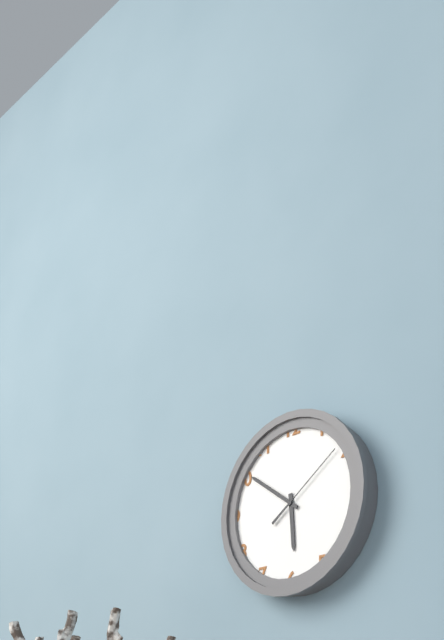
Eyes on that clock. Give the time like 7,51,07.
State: 5,51,09
